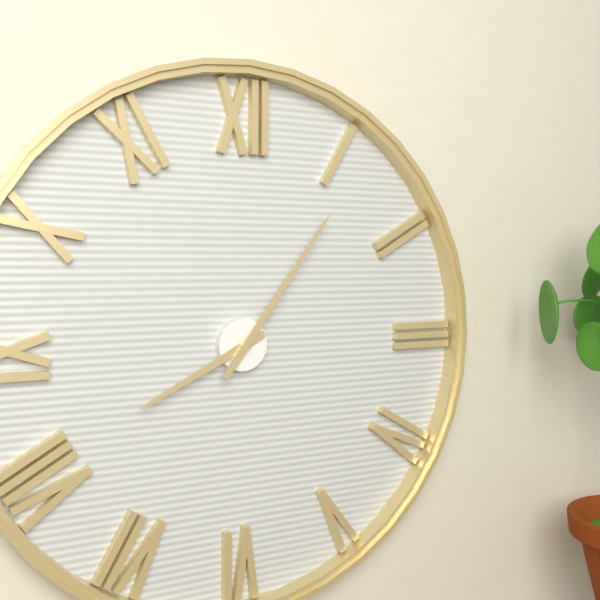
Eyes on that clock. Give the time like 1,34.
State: 8,06
